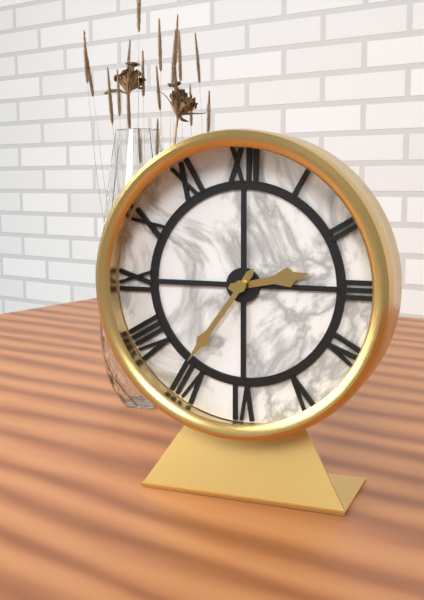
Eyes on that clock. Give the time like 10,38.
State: 2,36
